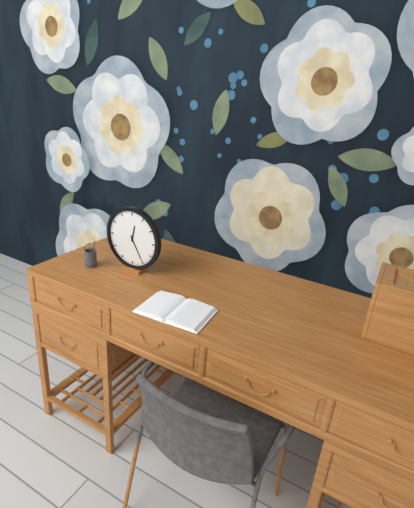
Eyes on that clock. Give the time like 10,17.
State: 12,25
